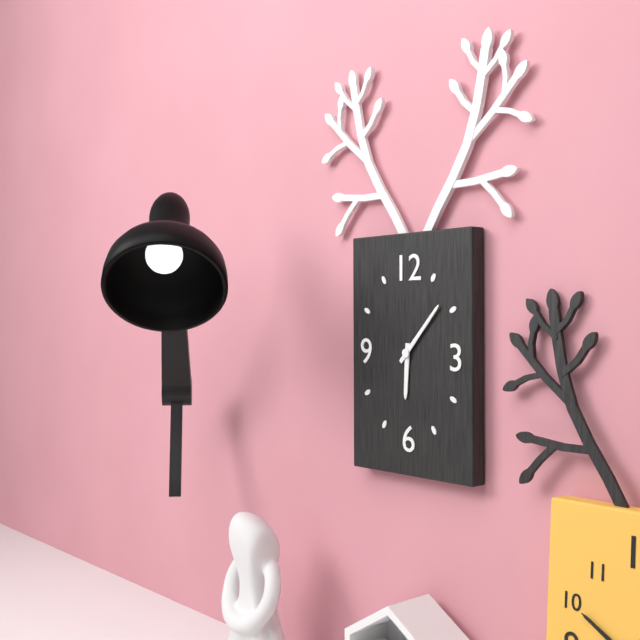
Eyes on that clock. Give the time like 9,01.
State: 6,07
